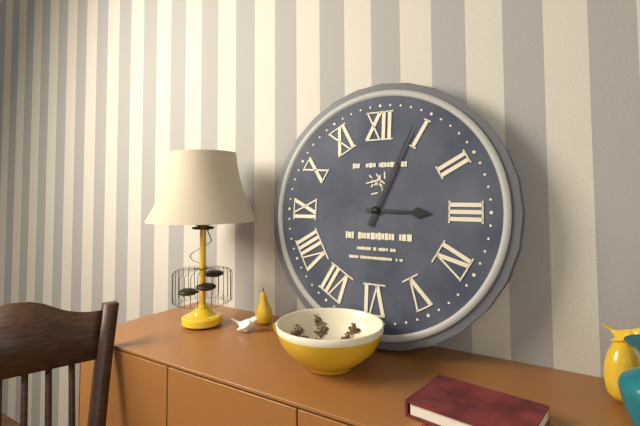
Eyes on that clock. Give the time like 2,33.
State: 3,04
